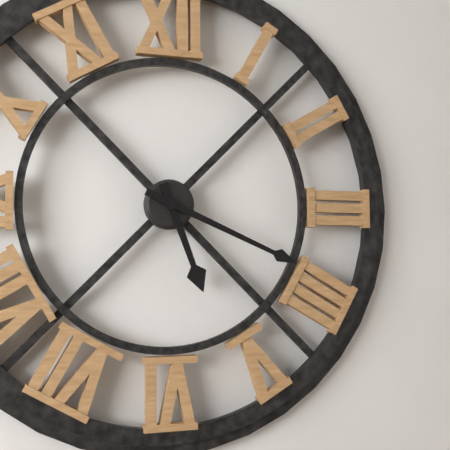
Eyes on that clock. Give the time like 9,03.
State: 5,19
